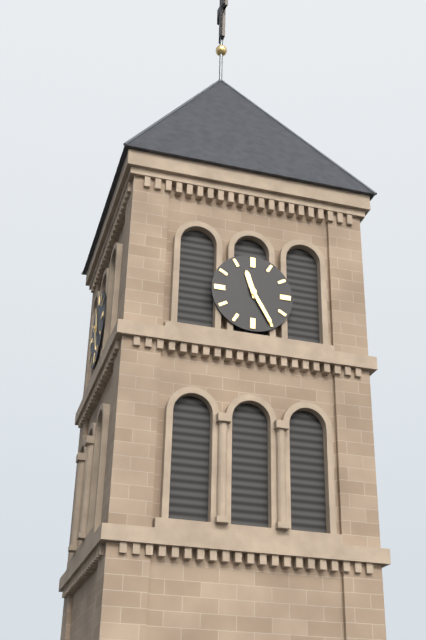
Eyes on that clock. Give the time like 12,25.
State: 11,25
